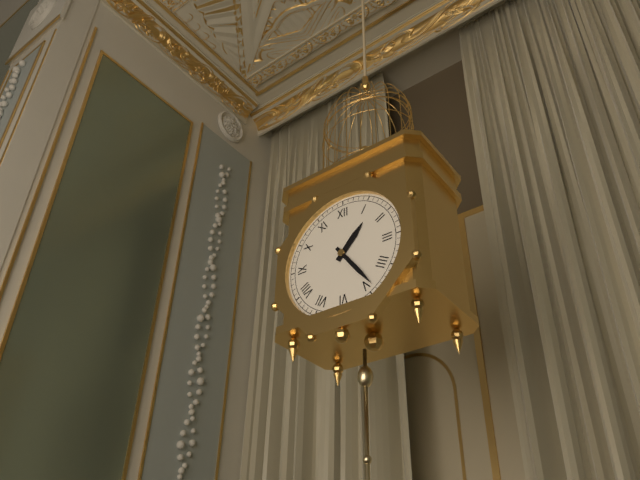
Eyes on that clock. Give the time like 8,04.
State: 1,24
